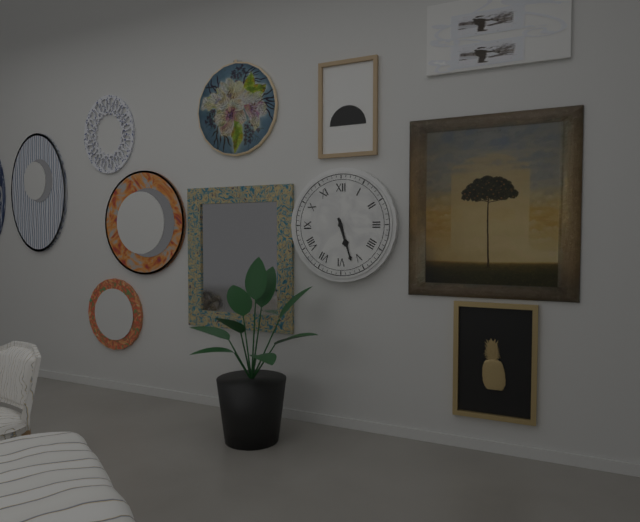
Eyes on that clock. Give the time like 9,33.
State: 5,27
